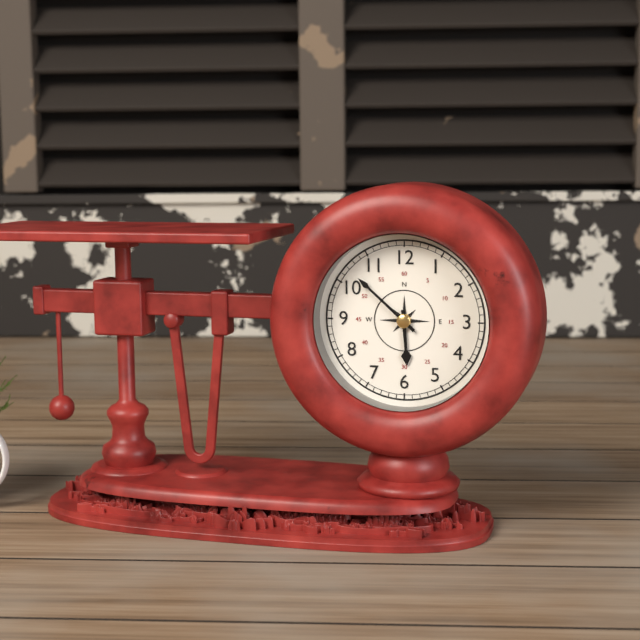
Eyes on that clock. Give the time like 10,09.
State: 5,52
